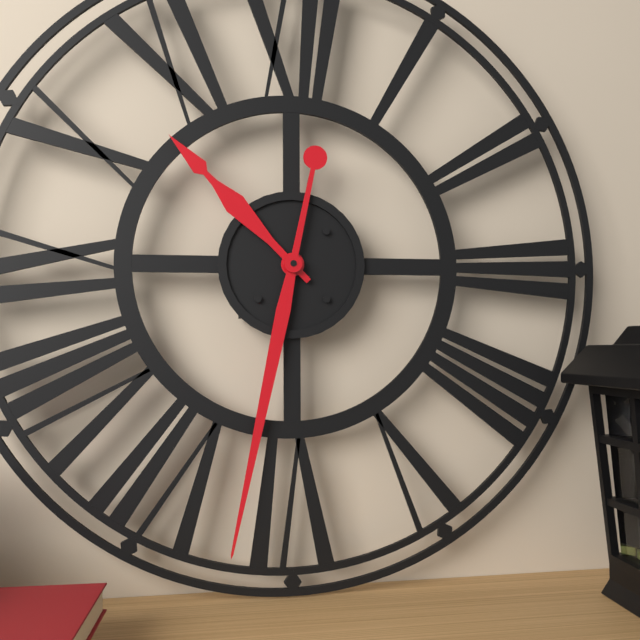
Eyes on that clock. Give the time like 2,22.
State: 10,32
